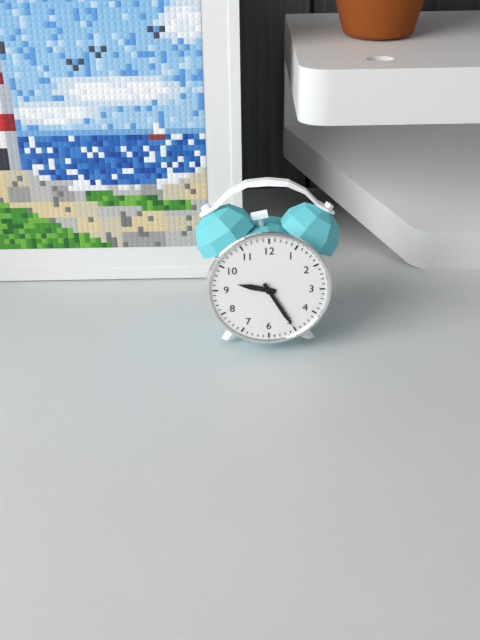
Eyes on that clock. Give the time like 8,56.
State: 9,25
